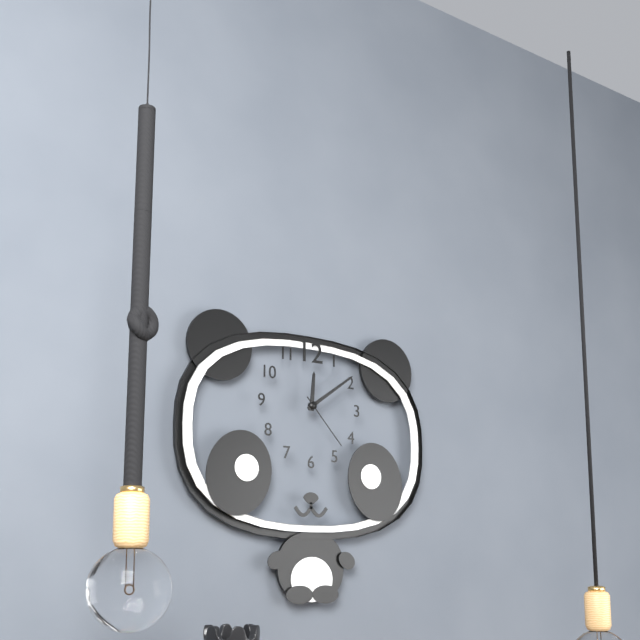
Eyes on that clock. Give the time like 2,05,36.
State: 12,09,23
